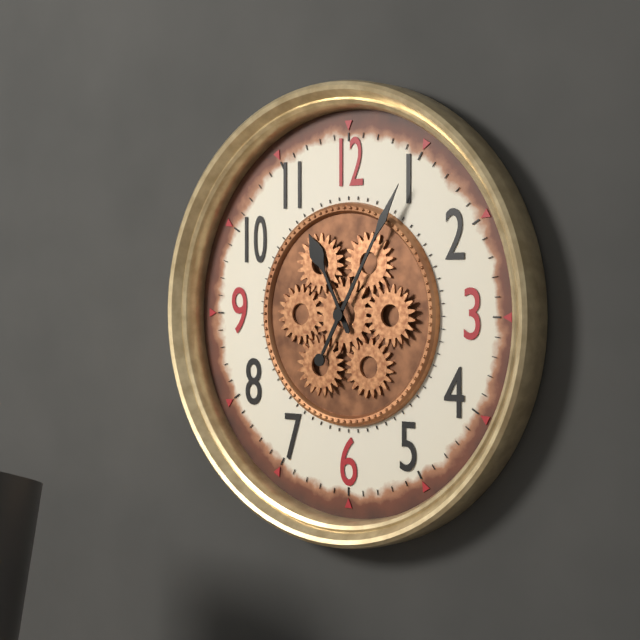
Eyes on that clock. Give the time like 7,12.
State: 11,05
